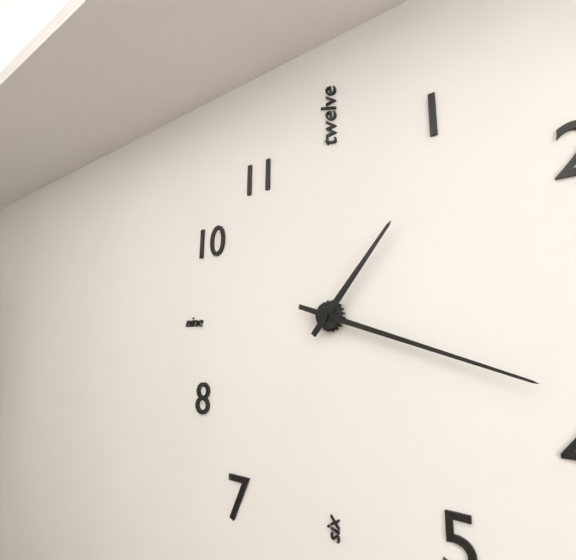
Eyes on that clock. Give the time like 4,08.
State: 1,18
